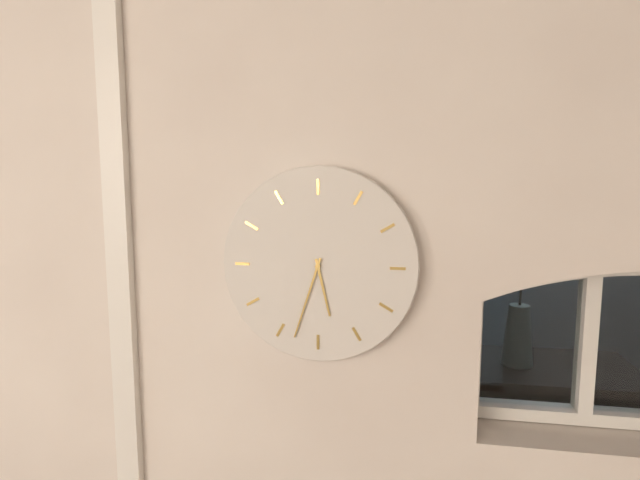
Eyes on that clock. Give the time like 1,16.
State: 5,33
